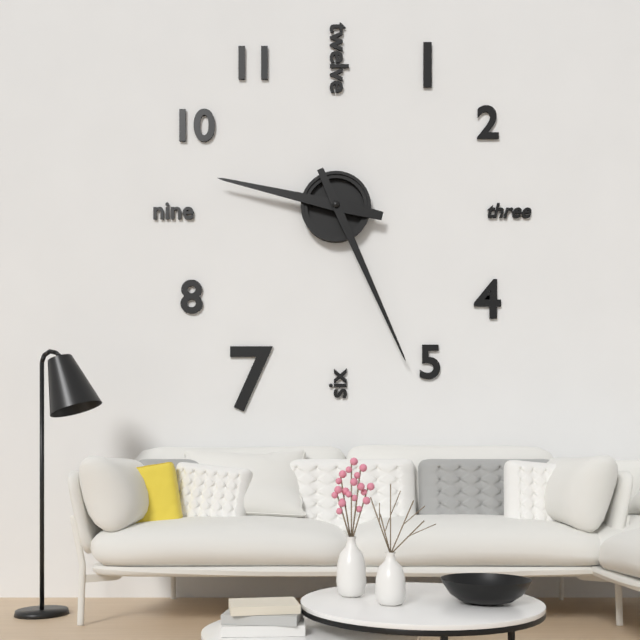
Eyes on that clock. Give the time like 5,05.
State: 9,26
